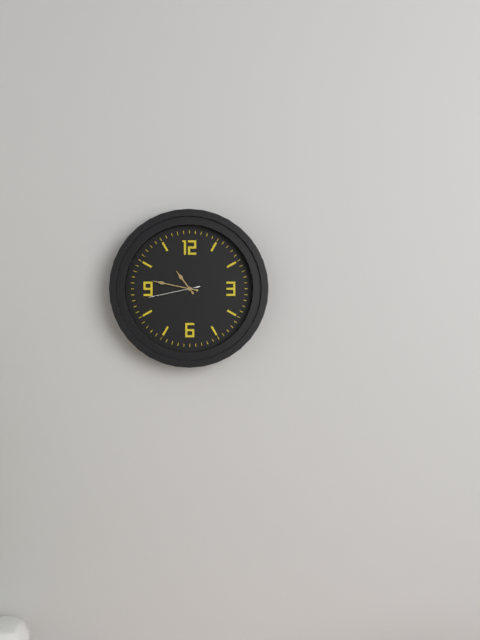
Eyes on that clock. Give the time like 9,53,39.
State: 10,47,43
